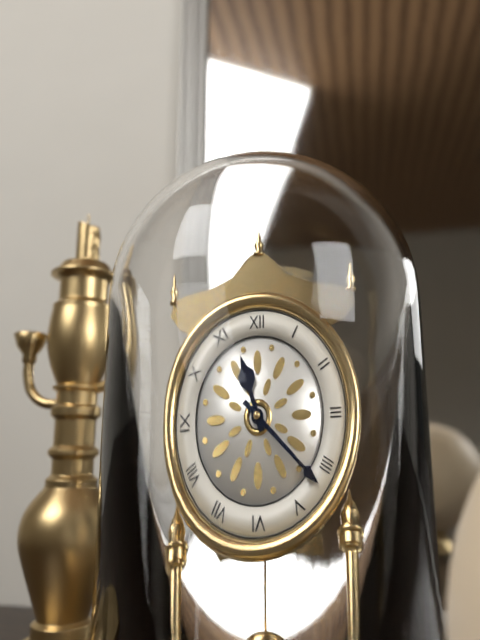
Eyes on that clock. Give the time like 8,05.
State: 11,22
